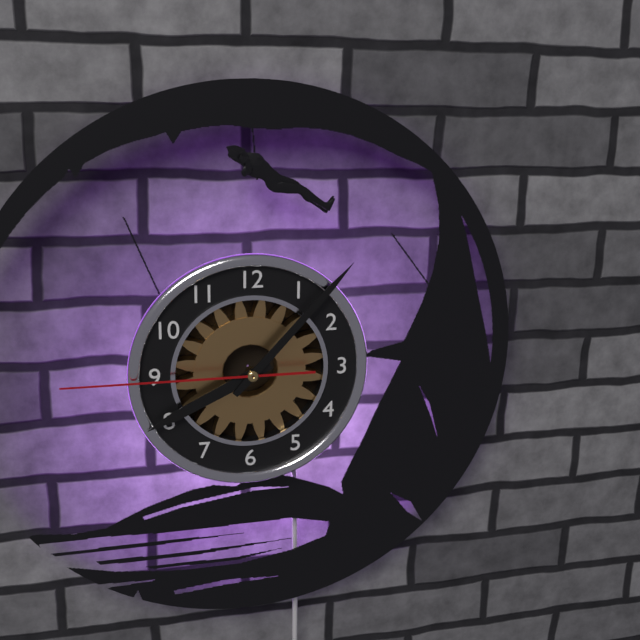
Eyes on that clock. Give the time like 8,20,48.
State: 8,07,45
